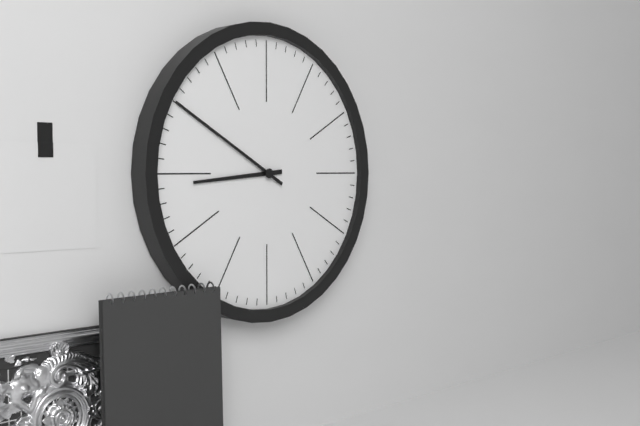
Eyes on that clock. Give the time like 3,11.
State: 8,50
